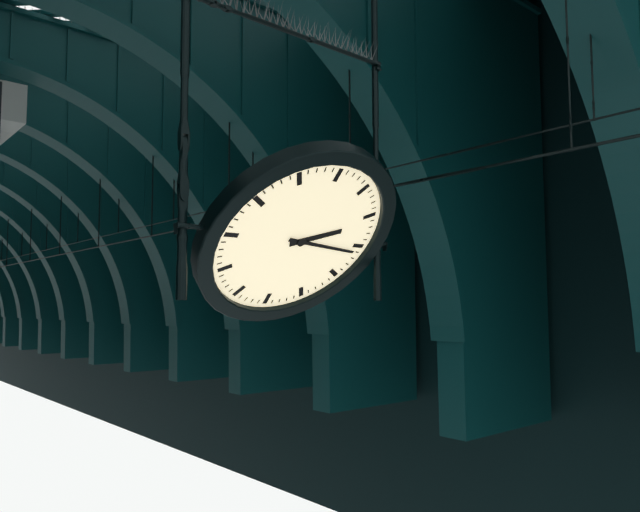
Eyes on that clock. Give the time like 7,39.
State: 2,16
